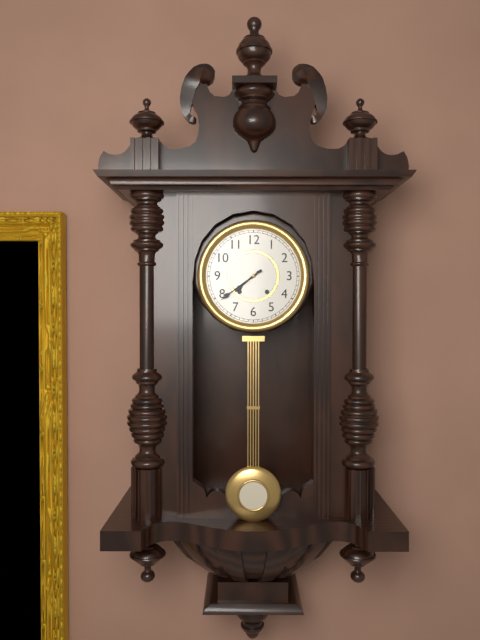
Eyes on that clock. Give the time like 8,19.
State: 7,39
